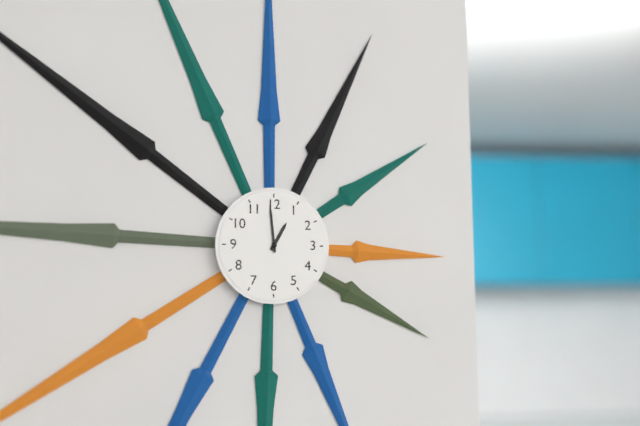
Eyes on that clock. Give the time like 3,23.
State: 12,59
